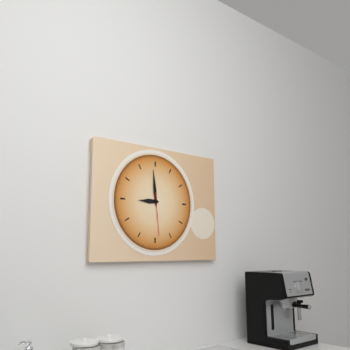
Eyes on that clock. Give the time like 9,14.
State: 8,59
